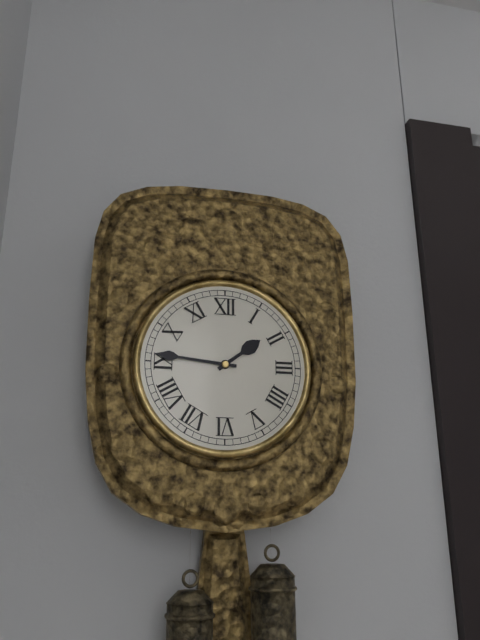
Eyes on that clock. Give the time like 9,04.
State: 1,46
